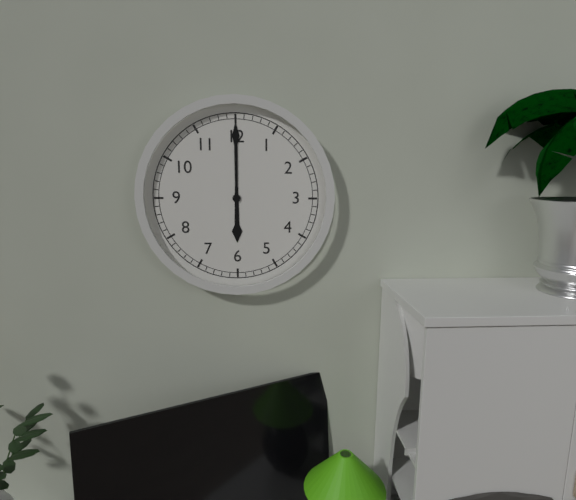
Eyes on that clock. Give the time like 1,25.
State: 6,00
